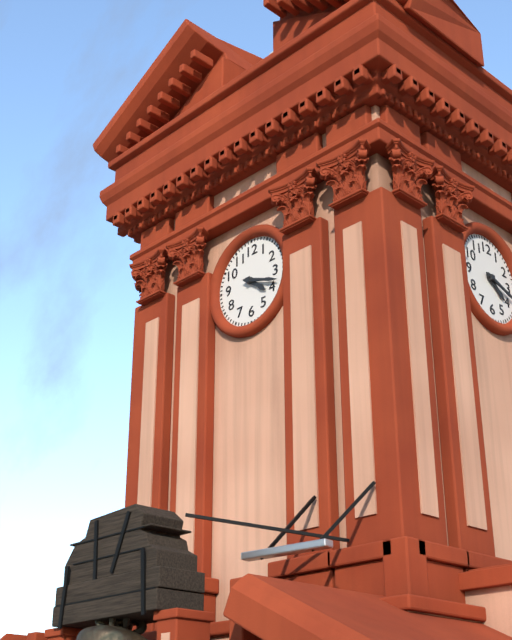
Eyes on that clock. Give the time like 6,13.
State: 4,18
